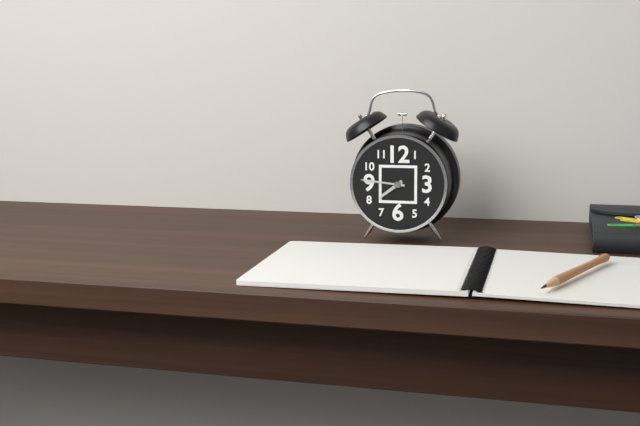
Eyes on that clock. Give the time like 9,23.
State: 7,46
